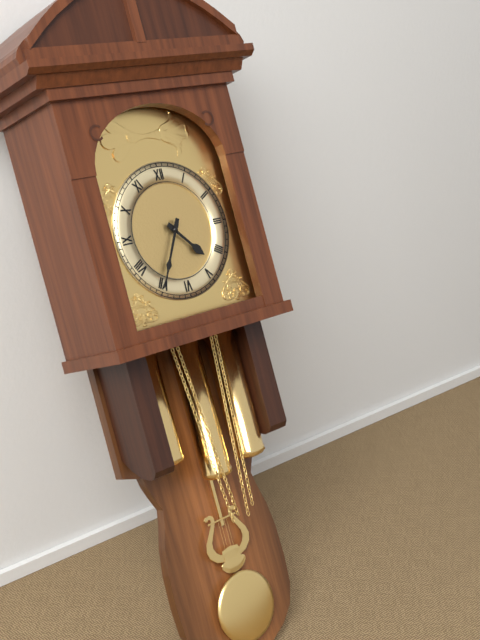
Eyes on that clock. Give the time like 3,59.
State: 4,35
